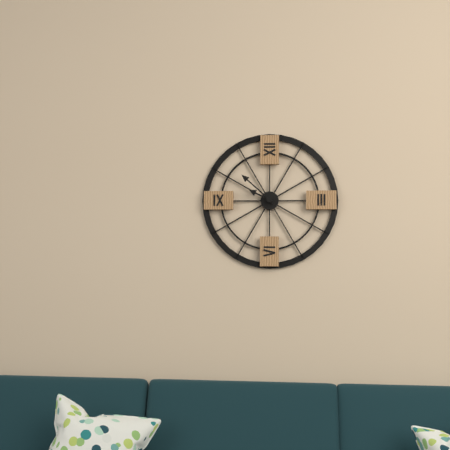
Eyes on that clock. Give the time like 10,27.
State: 9,52
